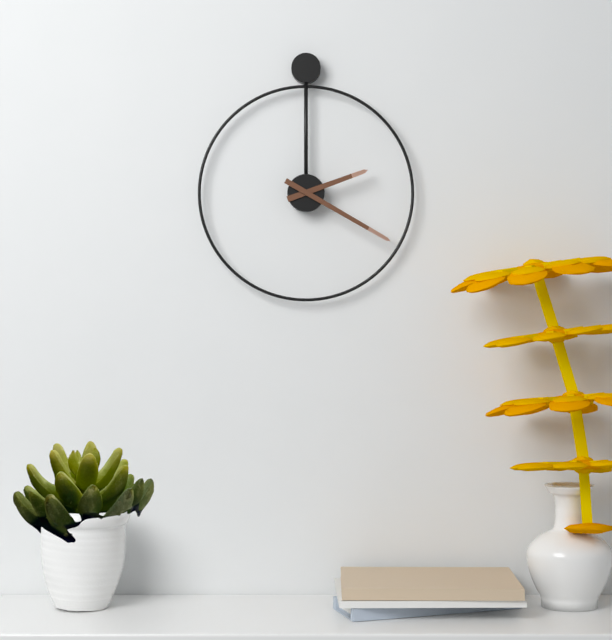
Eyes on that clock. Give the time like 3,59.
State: 2,20
